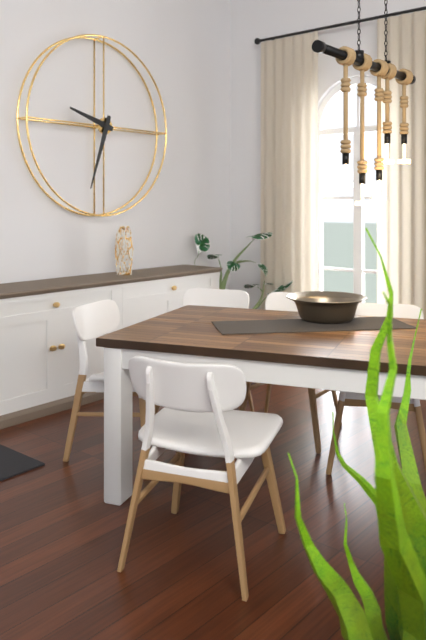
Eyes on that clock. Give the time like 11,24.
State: 9,33
